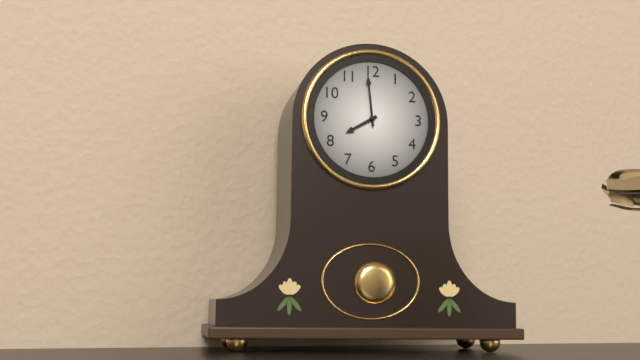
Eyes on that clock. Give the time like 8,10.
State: 7,59
